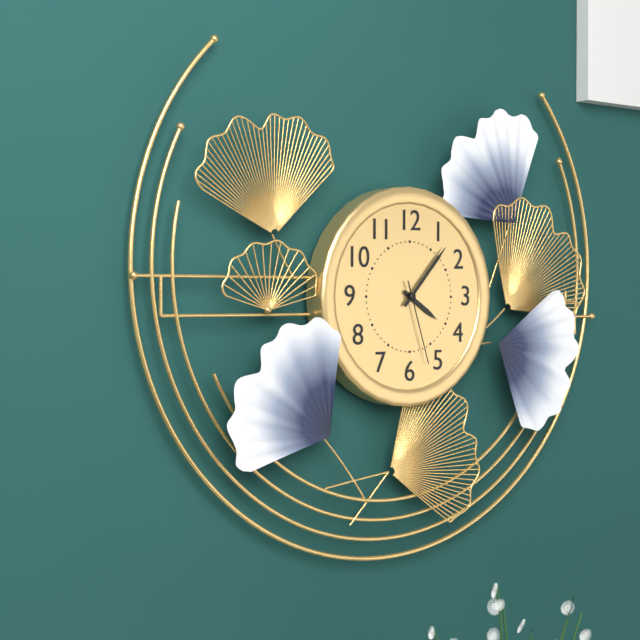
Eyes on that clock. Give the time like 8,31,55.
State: 4,07,27
